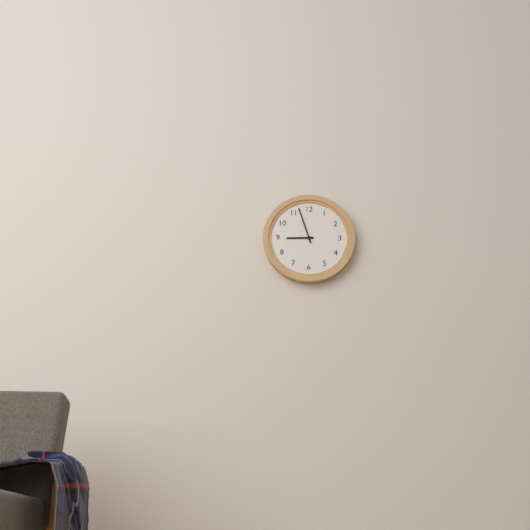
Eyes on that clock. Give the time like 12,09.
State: 8,57
